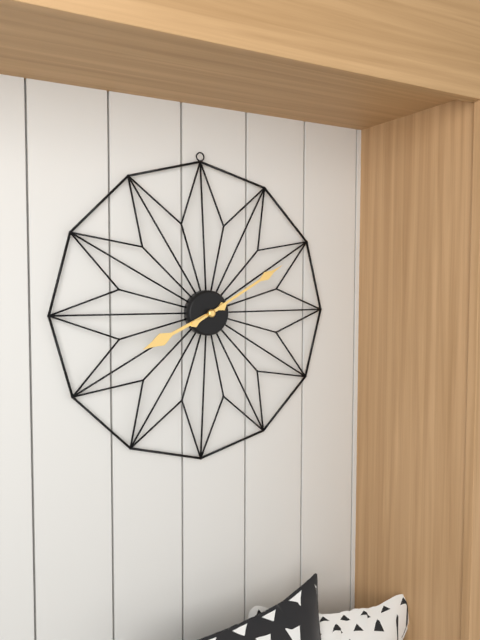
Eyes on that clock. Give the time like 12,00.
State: 8,10
